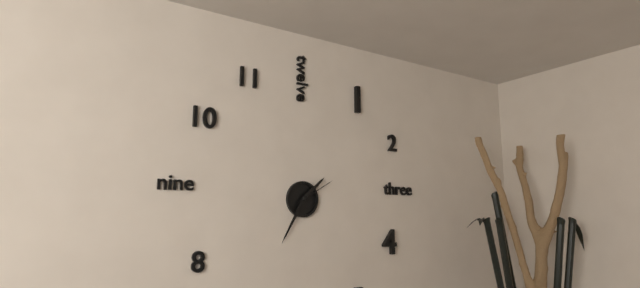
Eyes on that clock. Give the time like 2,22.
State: 1,35
